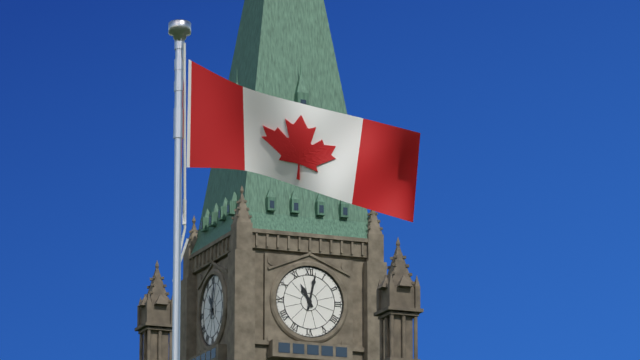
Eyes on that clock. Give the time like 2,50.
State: 11,02
